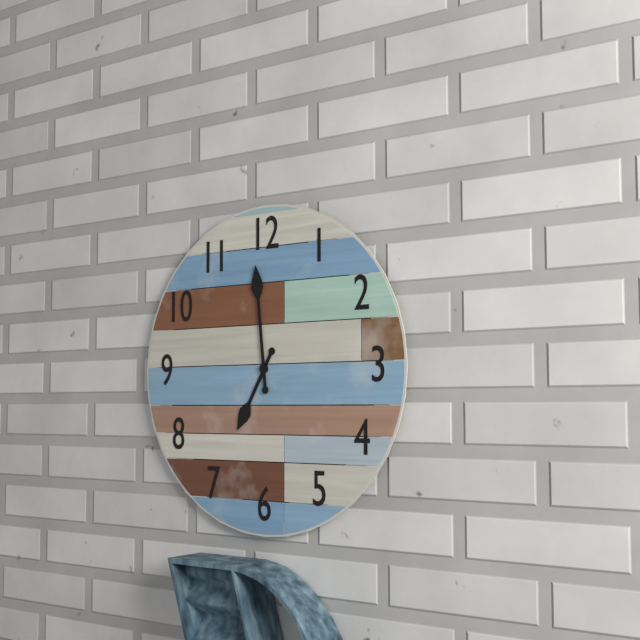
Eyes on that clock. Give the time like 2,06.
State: 6,59
